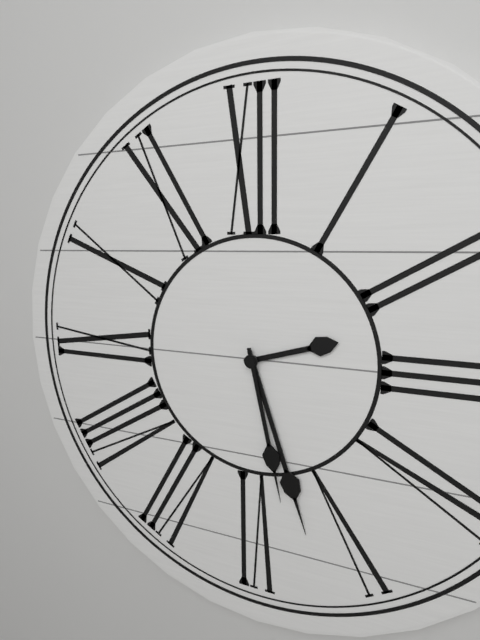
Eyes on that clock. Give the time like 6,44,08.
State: 2,27,28
